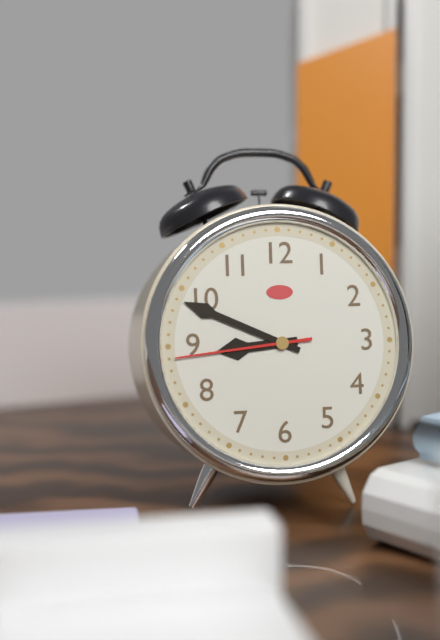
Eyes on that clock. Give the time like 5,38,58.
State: 8,49,44
